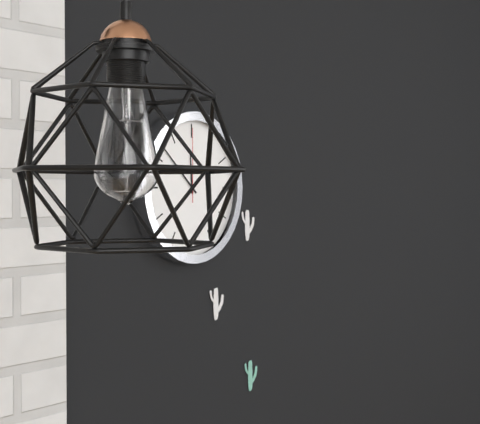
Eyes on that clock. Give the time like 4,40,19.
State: 11,52,00
